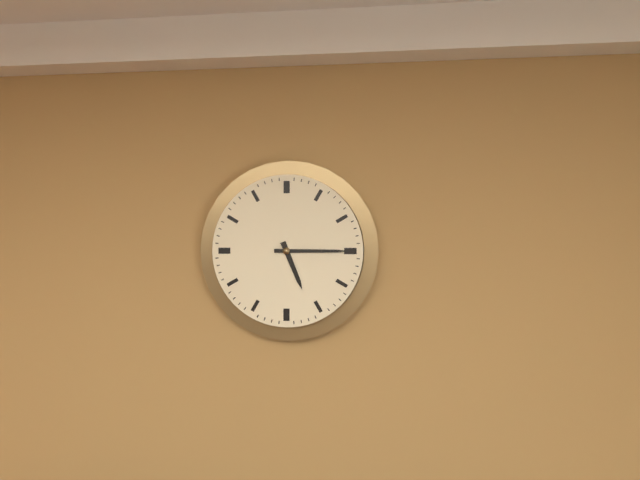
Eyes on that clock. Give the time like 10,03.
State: 5,15
